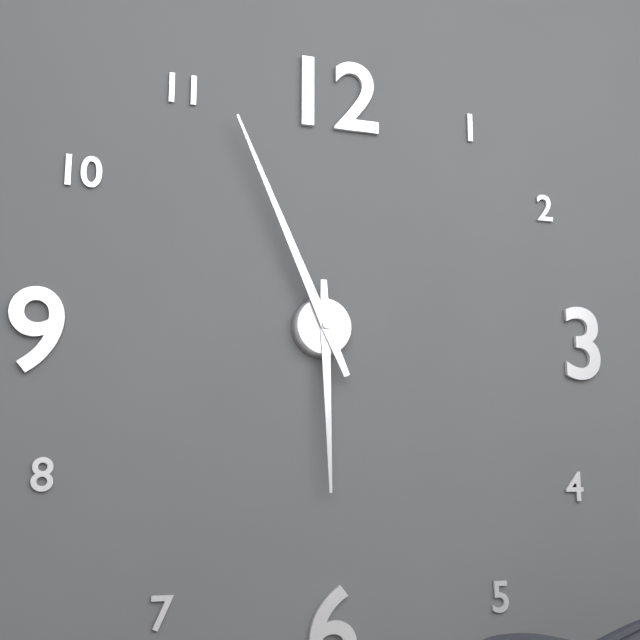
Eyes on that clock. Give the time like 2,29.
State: 5,56
